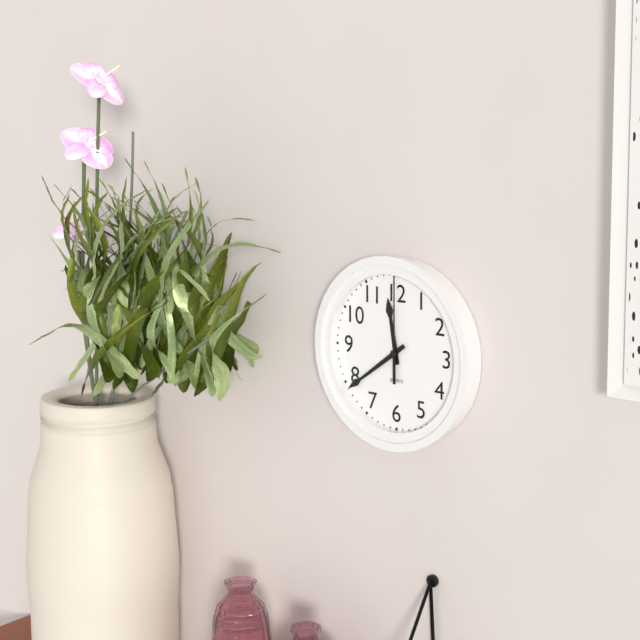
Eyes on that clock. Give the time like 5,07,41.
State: 11,39,00
